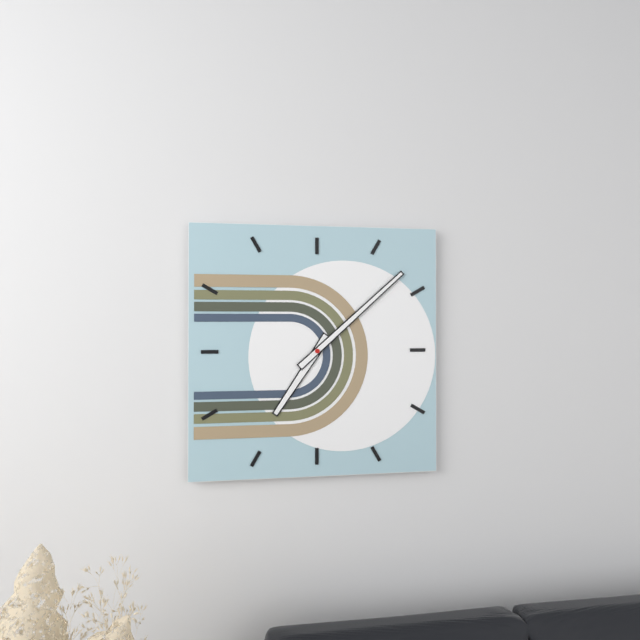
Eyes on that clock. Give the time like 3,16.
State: 7,08
